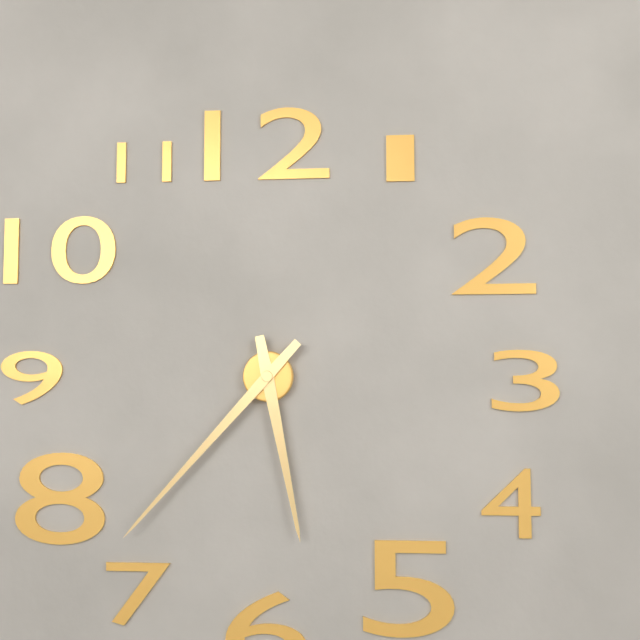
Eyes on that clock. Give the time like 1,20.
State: 5,37
